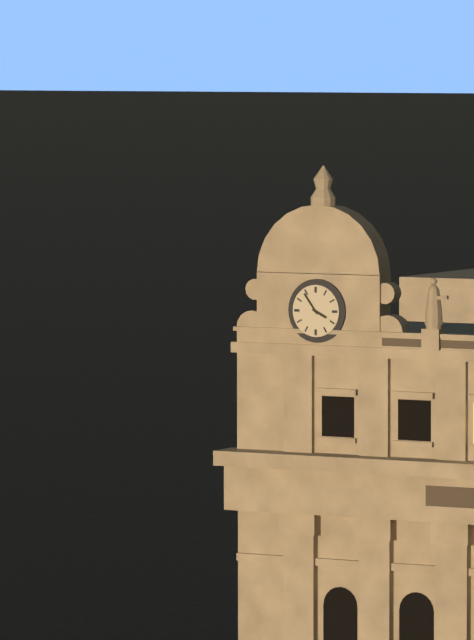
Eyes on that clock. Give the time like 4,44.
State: 3,54
